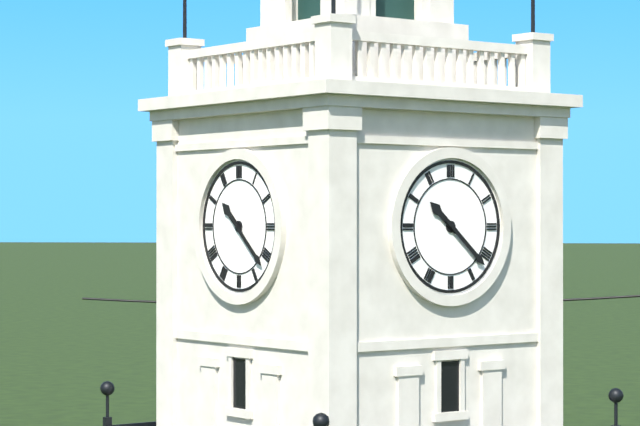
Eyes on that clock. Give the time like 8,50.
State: 10,22
